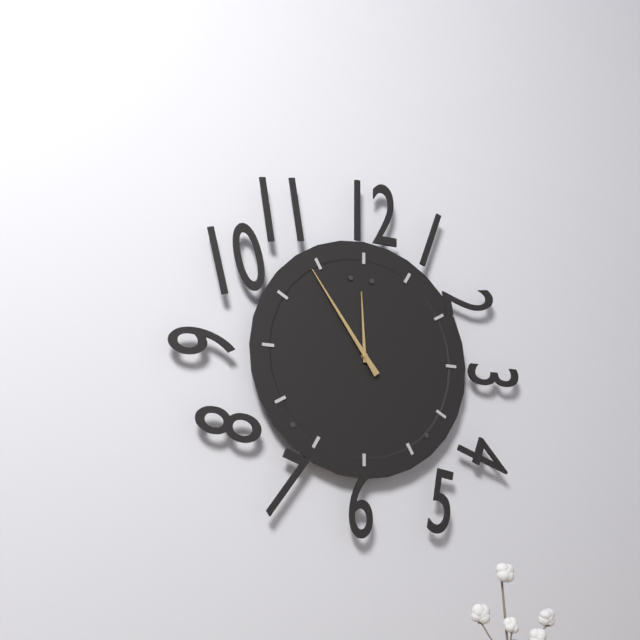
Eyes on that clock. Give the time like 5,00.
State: 11,54
